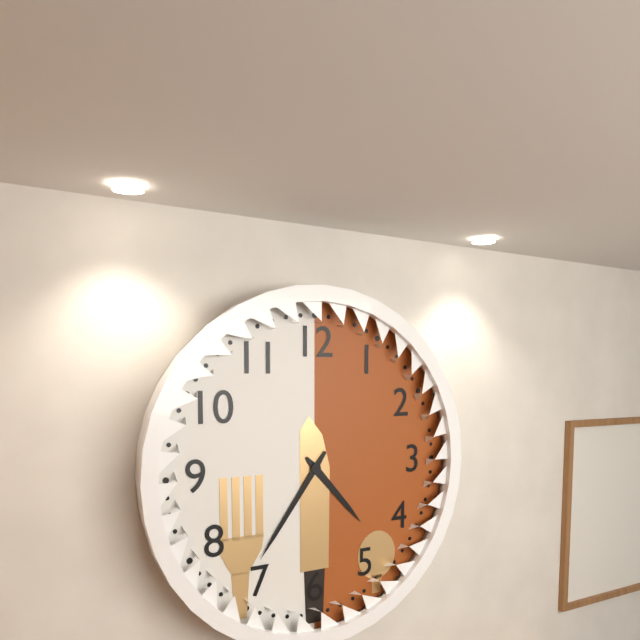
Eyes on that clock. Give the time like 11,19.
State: 4,36
